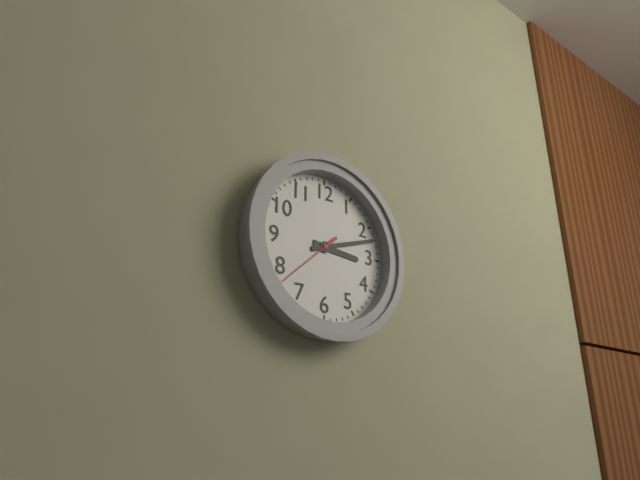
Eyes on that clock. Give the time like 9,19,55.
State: 3,12,38
